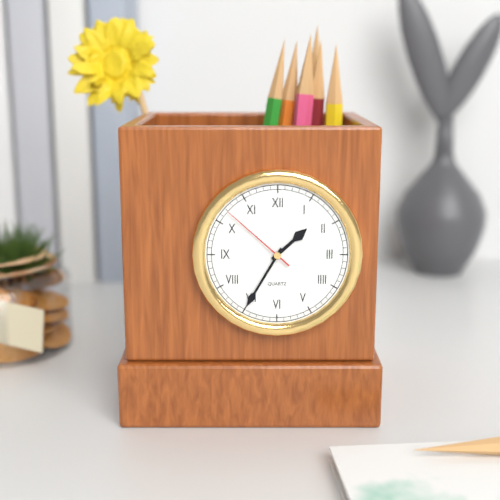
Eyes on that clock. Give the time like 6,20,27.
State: 1,35,52
